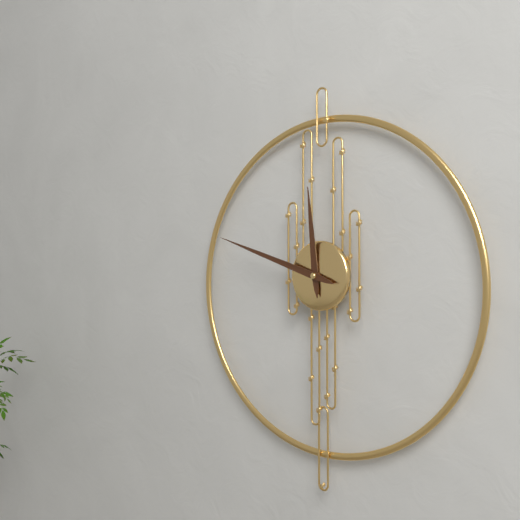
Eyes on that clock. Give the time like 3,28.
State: 11,48
